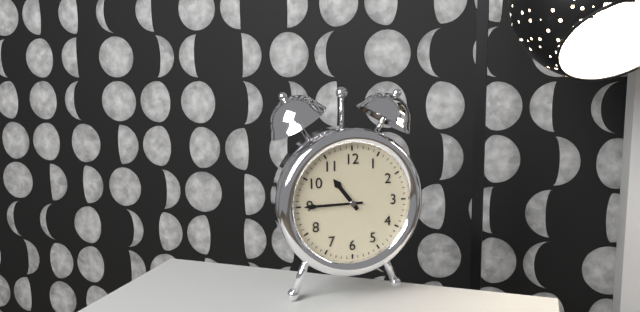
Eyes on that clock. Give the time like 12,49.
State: 10,45
